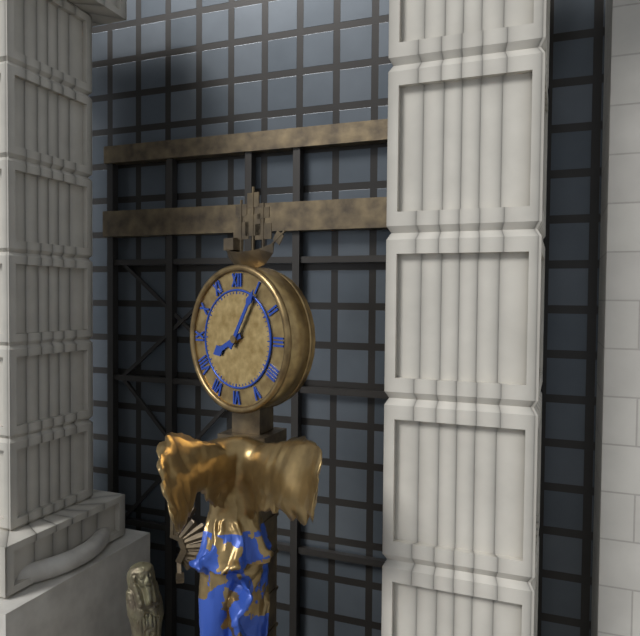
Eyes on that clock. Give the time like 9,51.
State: 8,05
